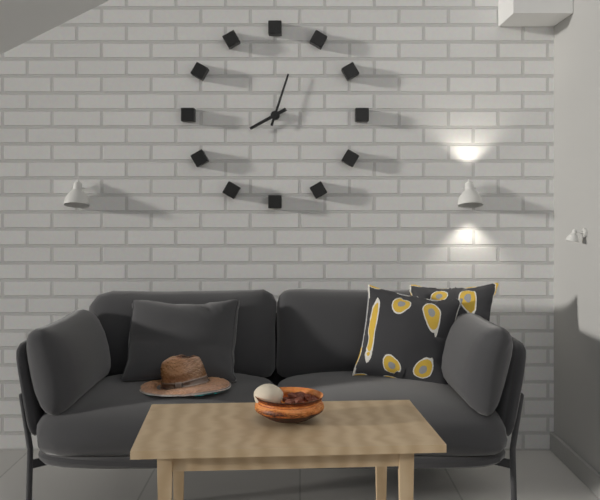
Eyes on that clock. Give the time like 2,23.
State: 8,03
